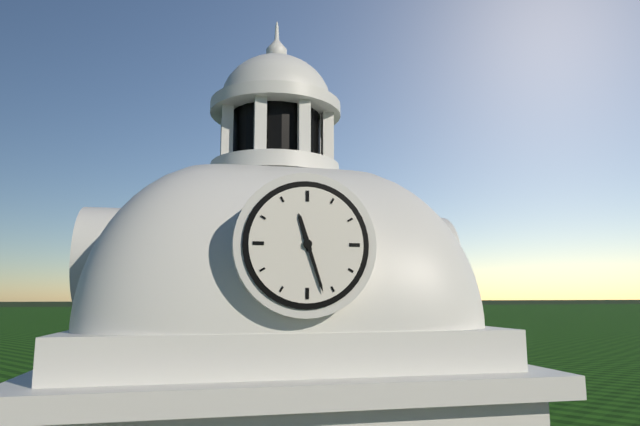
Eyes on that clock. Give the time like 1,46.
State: 11,27
